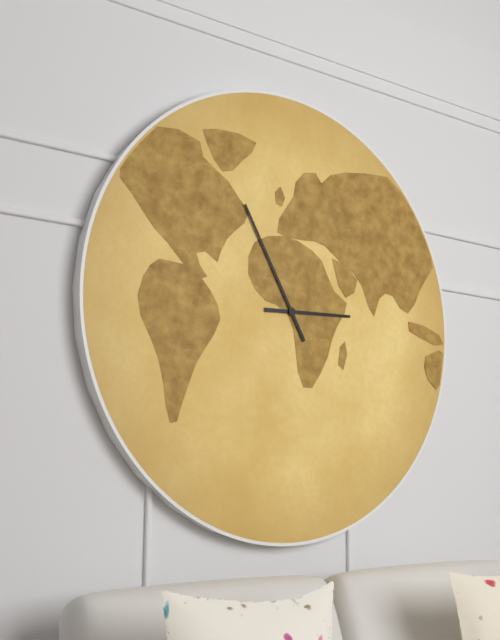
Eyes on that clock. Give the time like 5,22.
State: 2,55
